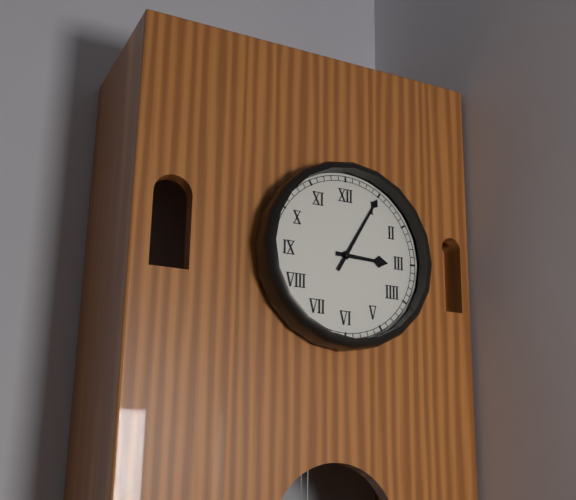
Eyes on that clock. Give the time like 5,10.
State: 3,05
